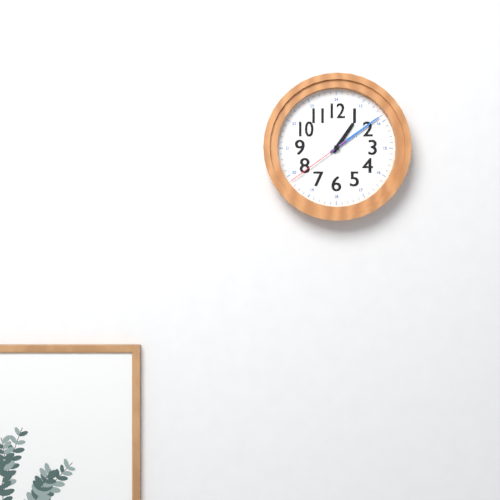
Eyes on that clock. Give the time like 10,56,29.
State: 1,09,39
